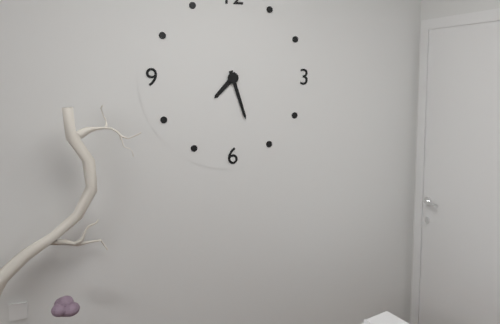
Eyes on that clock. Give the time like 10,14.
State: 7,27
